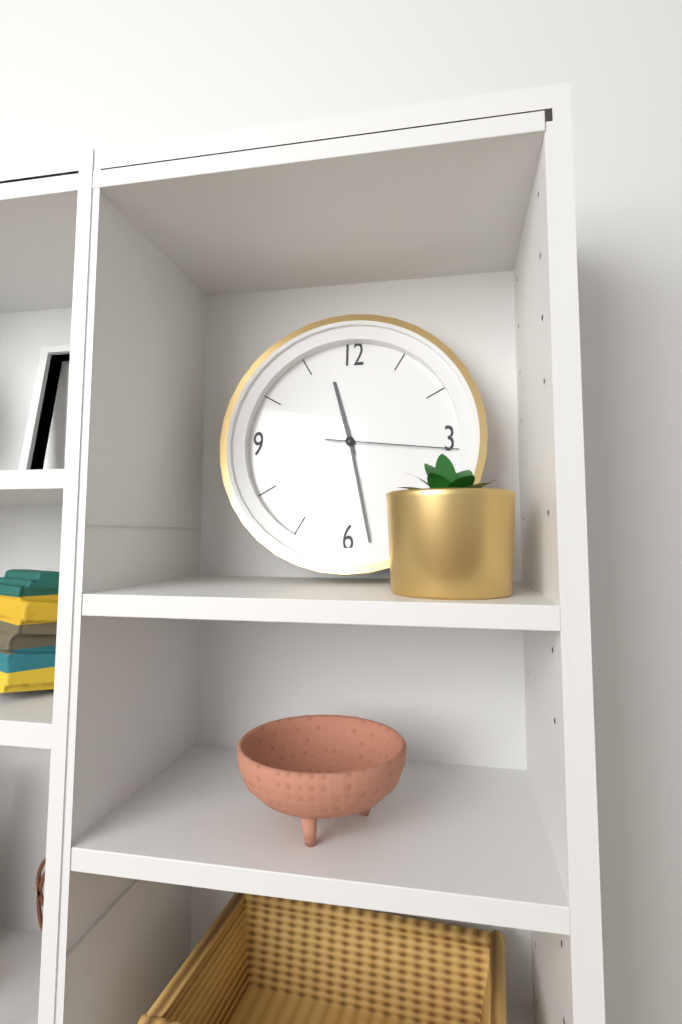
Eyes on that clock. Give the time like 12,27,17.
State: 11,28,16
